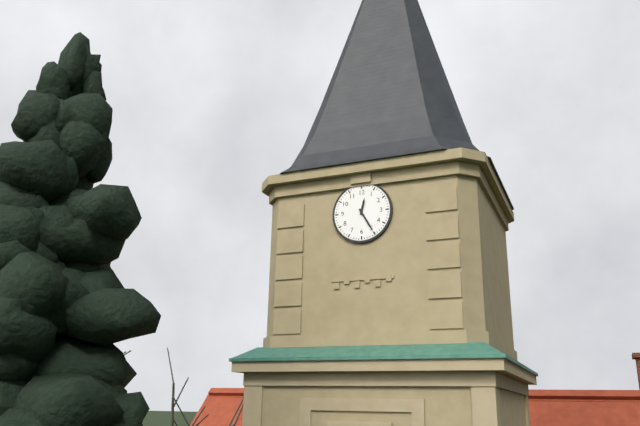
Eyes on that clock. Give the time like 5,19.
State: 12,25
